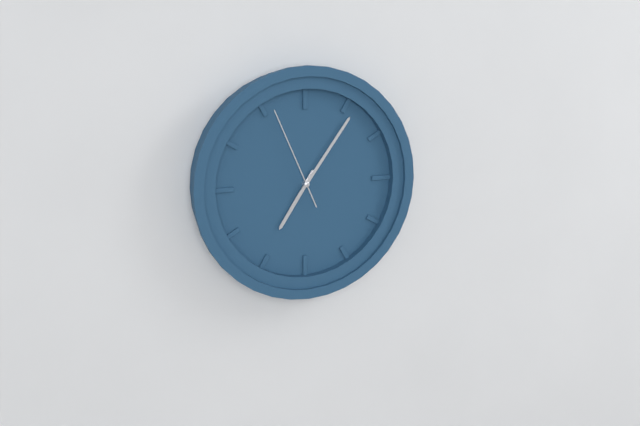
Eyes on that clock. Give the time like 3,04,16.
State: 7,06,56
